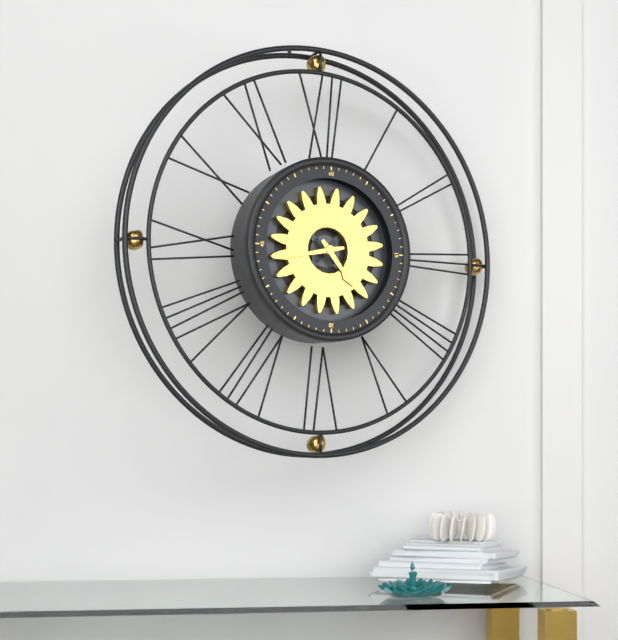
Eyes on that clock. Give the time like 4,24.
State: 4,43
